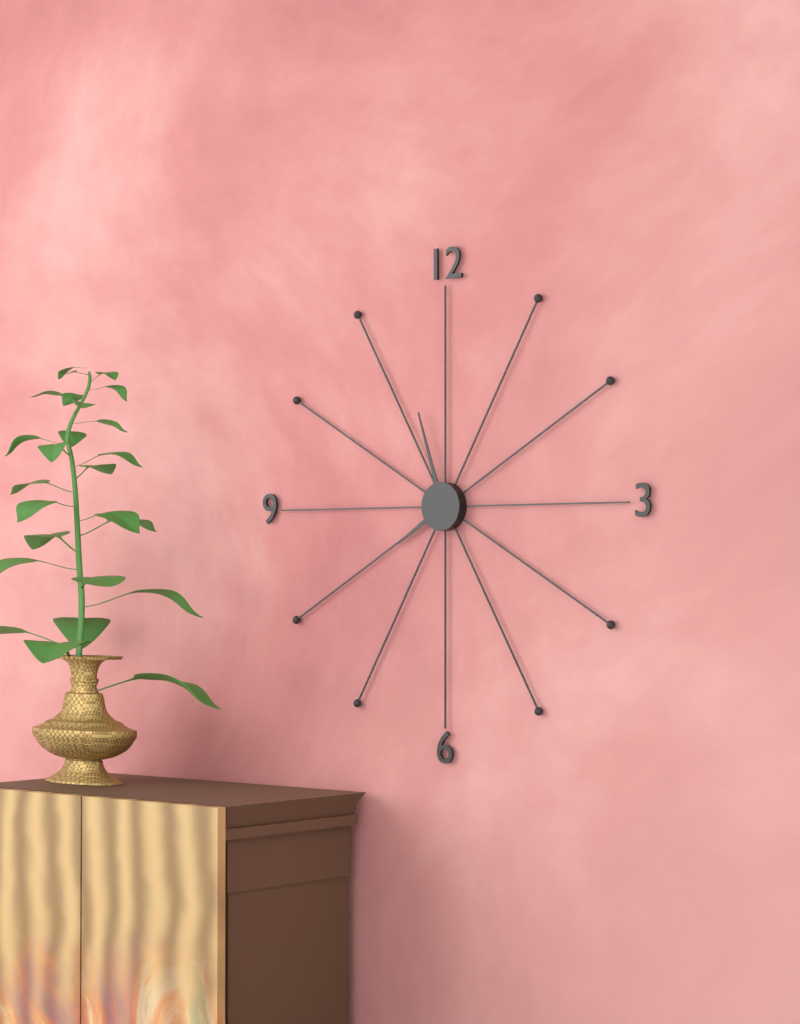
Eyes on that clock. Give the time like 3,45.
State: 7,57
